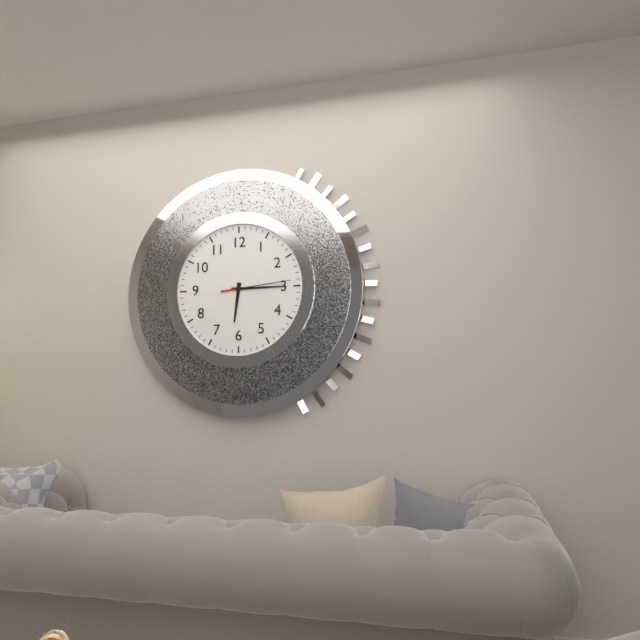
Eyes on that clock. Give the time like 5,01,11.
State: 6,15,14
